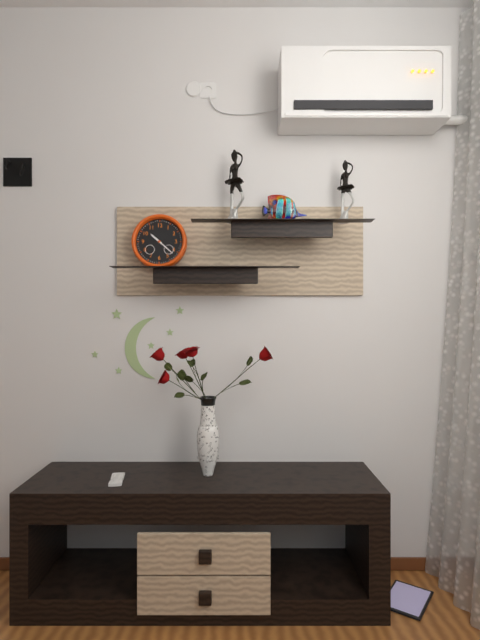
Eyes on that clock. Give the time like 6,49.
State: 10,22
